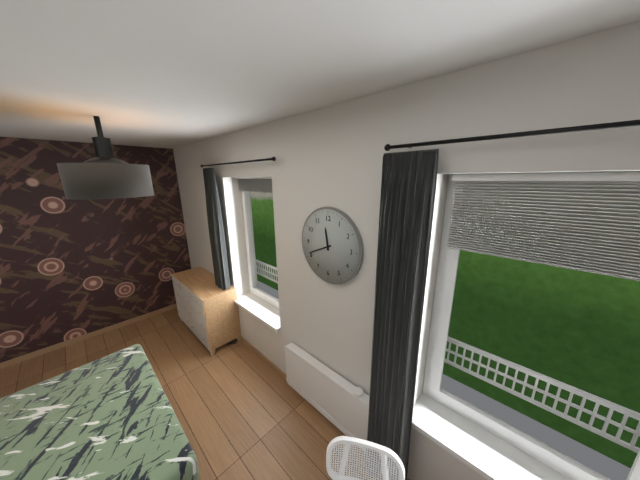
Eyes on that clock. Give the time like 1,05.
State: 11,41
